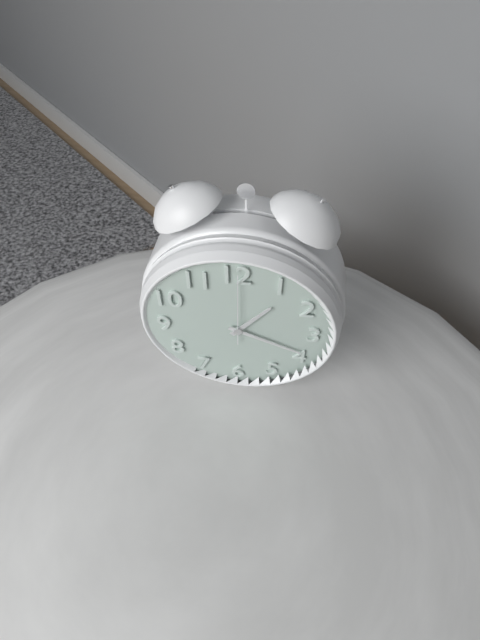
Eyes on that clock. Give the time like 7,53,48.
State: 1,19,00
